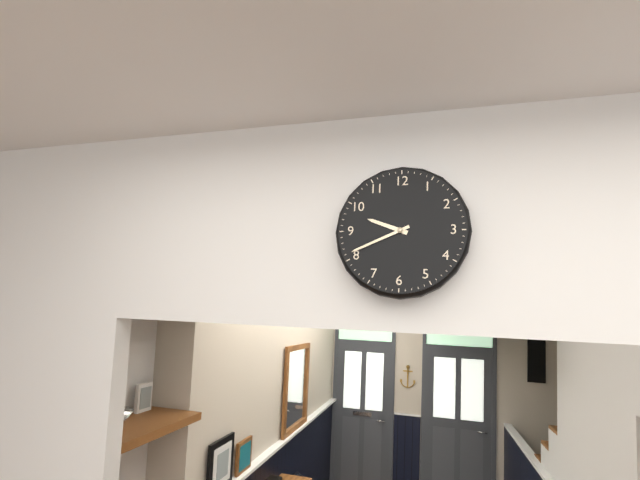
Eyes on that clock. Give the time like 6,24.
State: 9,41
